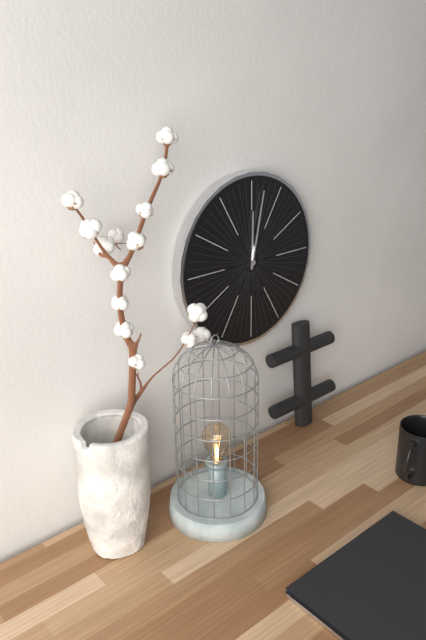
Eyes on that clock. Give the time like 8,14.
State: 12,02
